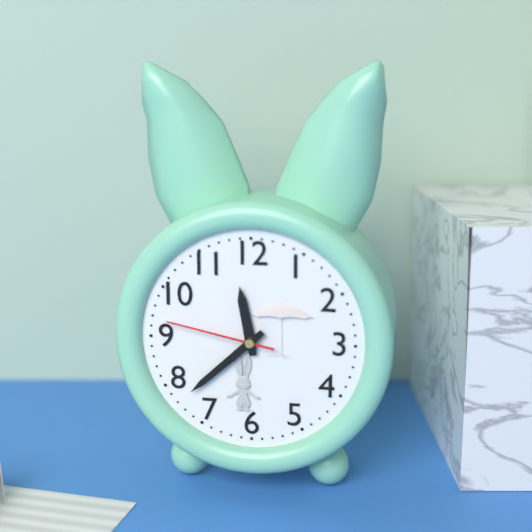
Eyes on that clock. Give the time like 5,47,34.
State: 11,38,47
